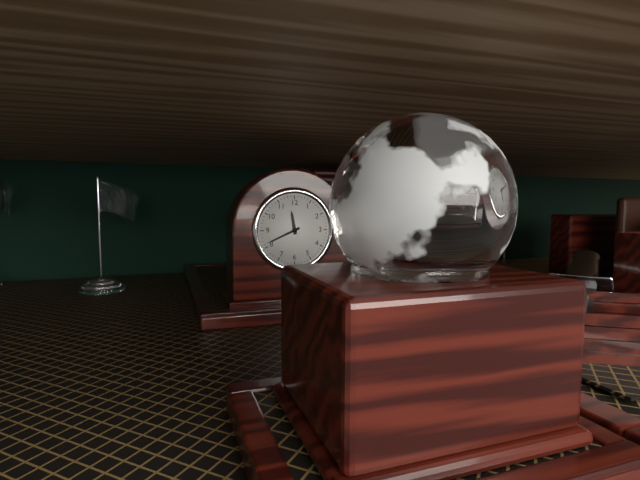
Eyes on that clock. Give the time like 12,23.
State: 11,41
